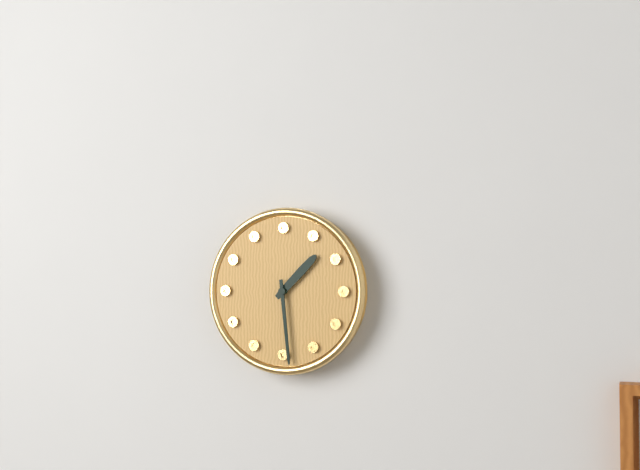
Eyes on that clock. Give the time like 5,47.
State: 1,29
